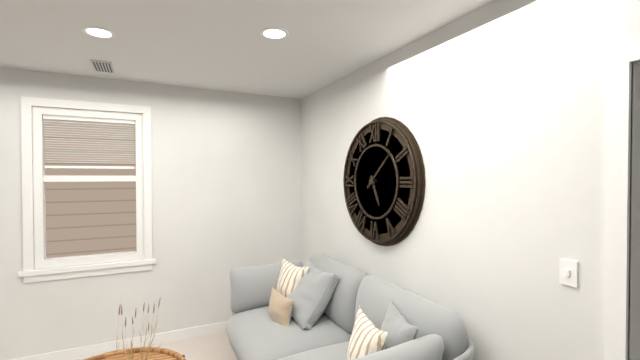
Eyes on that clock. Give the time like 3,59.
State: 5,08
